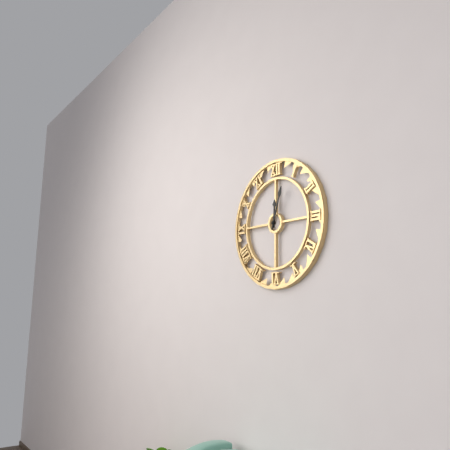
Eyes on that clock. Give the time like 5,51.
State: 12,03
